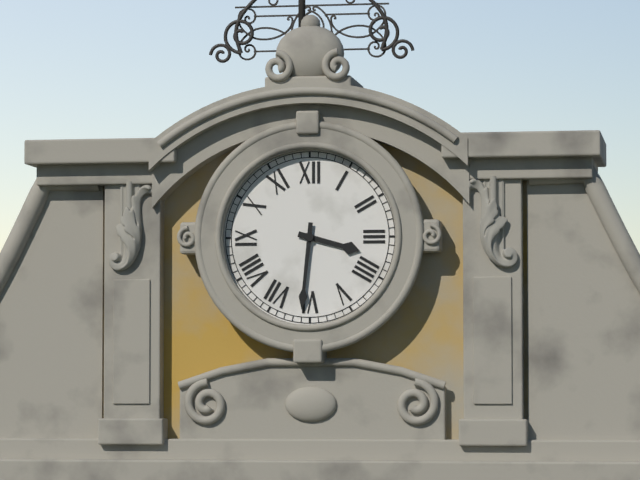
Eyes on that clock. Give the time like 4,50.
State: 3,31
